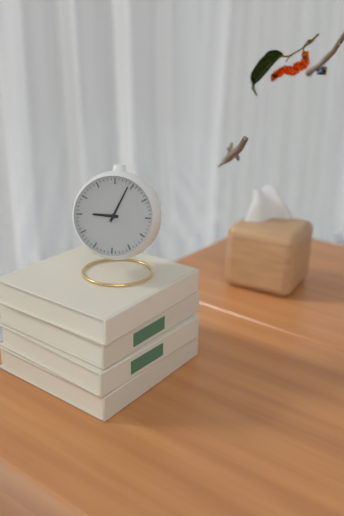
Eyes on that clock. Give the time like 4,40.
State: 9,04
